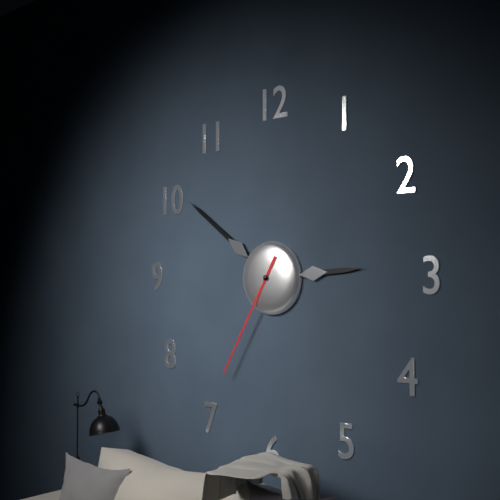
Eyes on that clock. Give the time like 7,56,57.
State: 2,51,35
